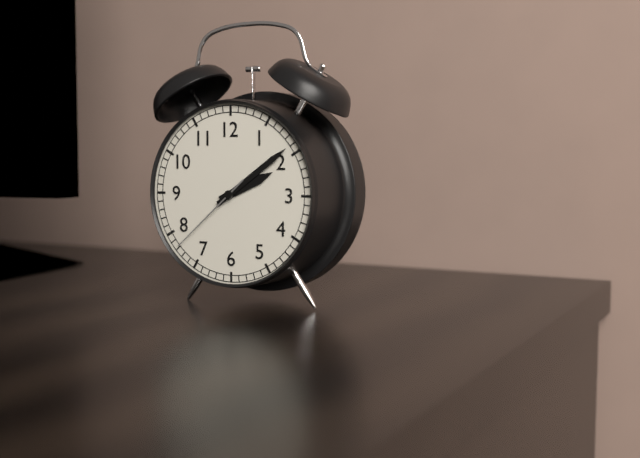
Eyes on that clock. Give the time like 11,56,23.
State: 2,09,38
